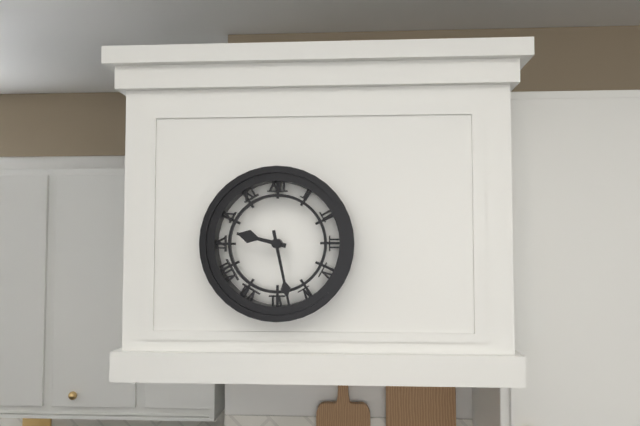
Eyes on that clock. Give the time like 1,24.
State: 9,28
